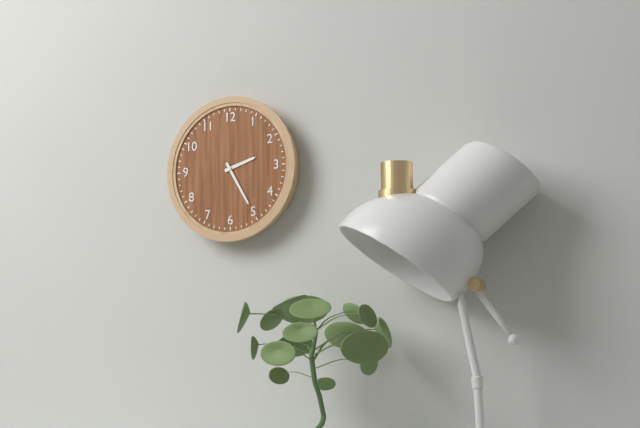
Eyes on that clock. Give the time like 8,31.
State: 2,25
